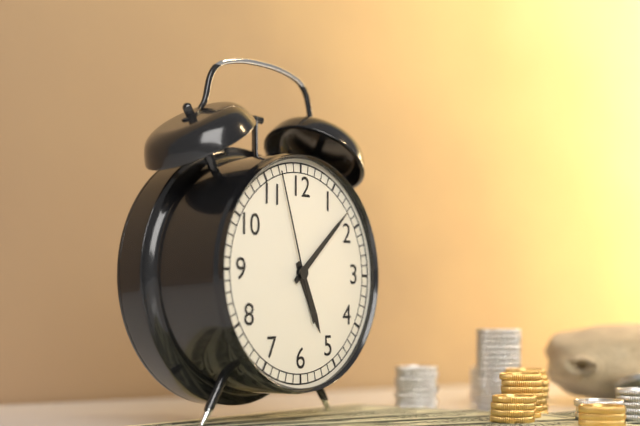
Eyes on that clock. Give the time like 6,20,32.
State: 5,08,57
